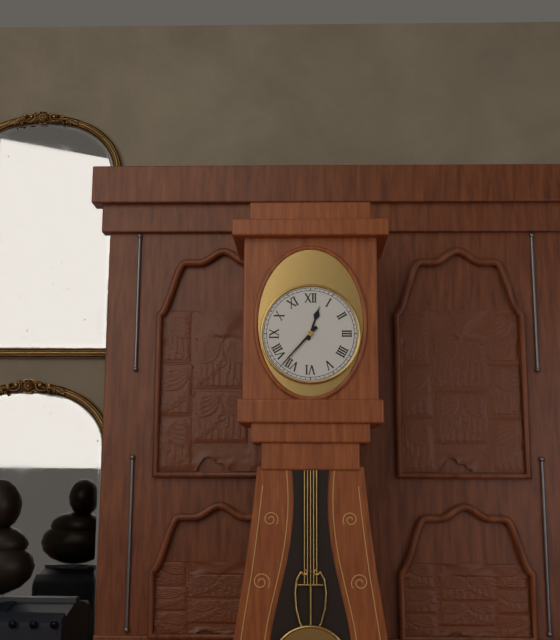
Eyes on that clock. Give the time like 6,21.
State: 12,37
